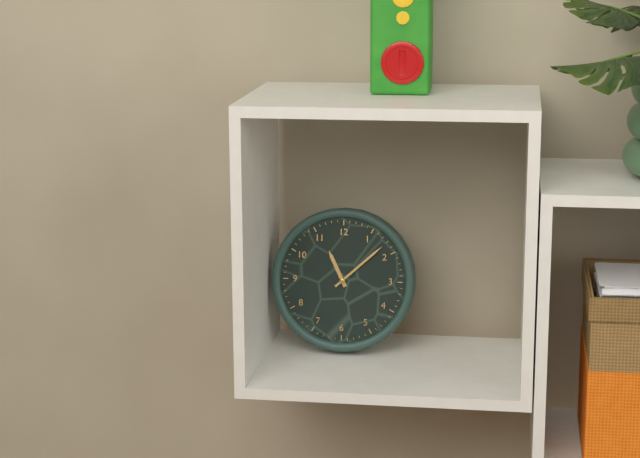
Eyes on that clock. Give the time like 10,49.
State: 11,08
